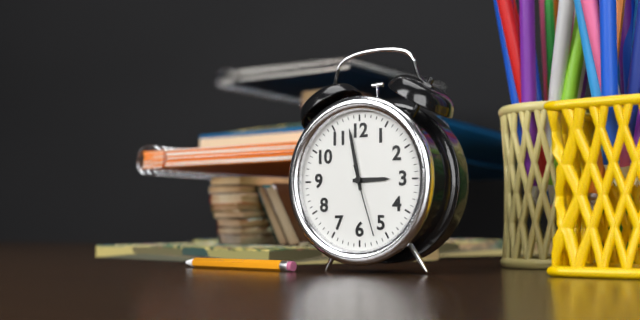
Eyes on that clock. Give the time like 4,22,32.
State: 2,58,27
